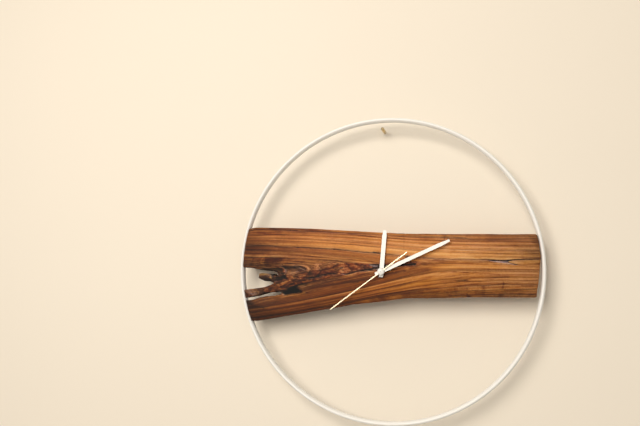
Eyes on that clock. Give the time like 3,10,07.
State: 12,11,39
